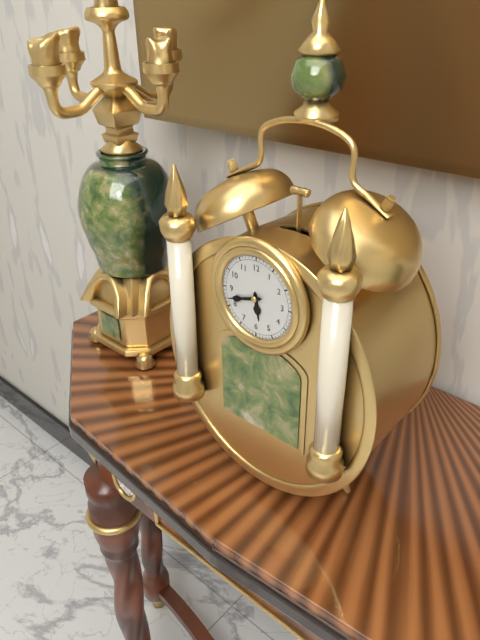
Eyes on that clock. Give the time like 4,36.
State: 5,42
